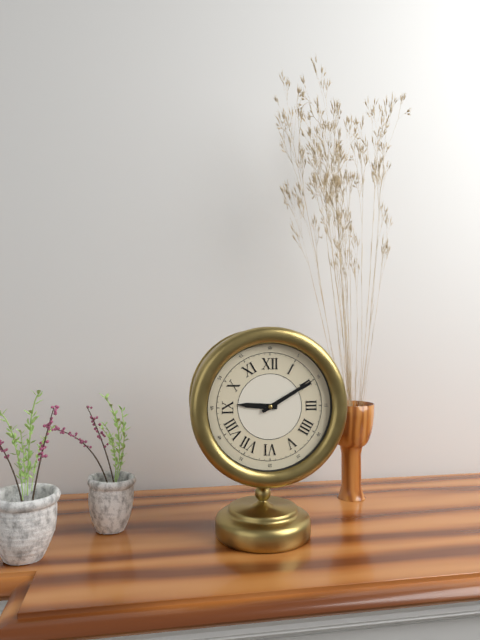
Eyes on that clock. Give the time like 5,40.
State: 9,10
